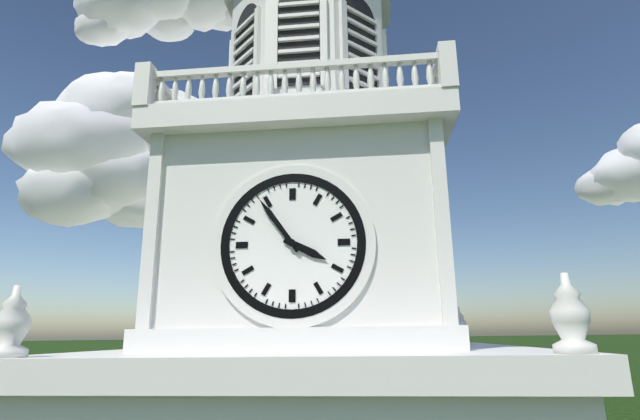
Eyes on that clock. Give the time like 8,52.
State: 3,54
